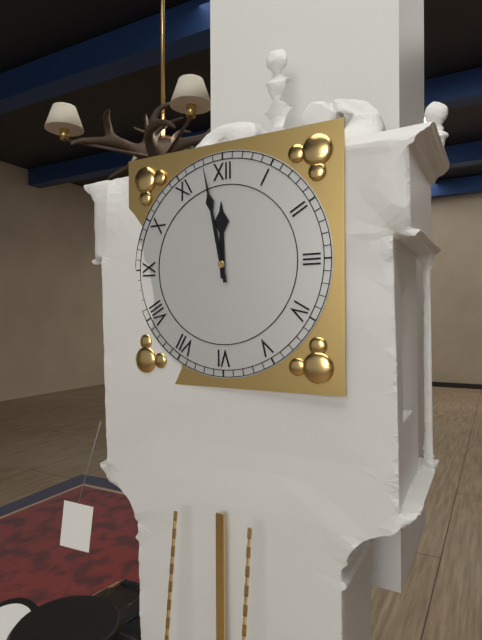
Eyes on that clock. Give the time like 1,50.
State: 11,58
